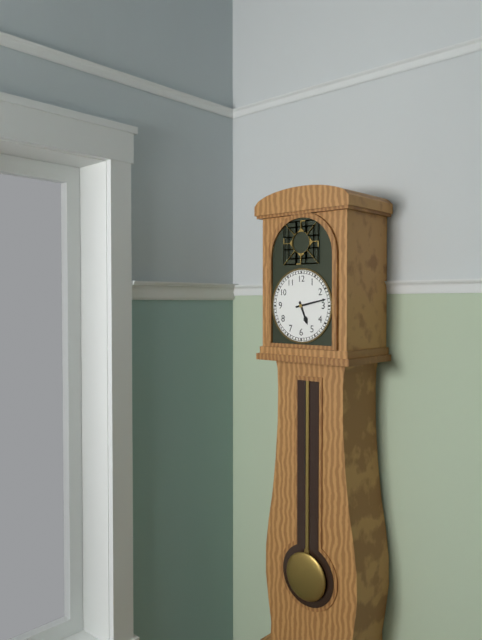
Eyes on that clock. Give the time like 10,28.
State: 5,13
